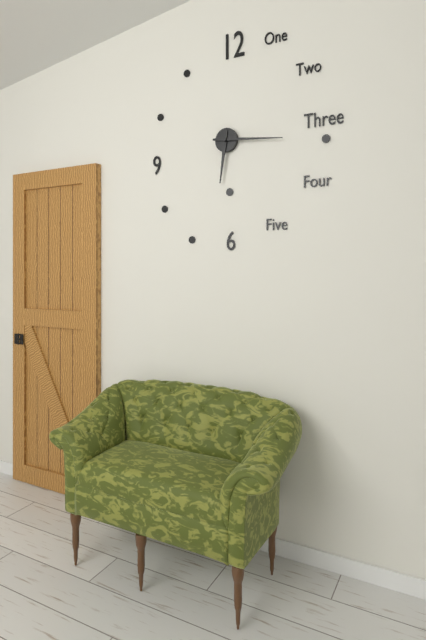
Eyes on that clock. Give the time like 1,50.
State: 6,16
